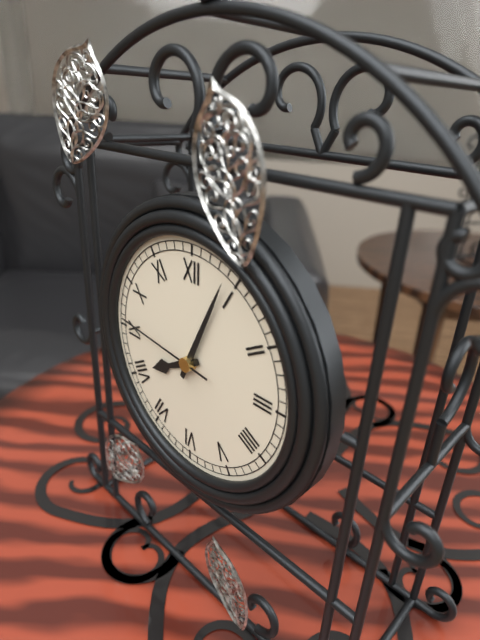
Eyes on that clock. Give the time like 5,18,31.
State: 8,04,46
